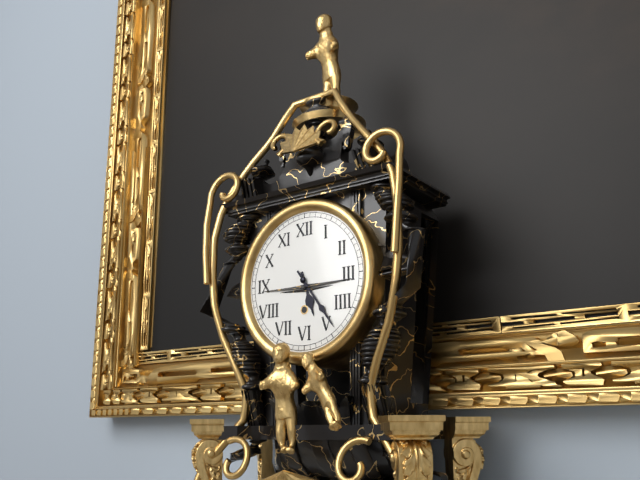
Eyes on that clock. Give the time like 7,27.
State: 5,24
